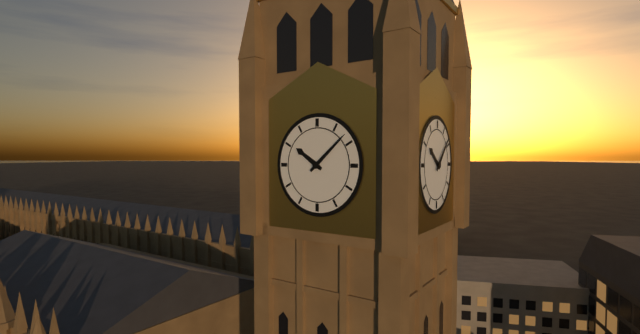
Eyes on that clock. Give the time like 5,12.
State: 10,08
